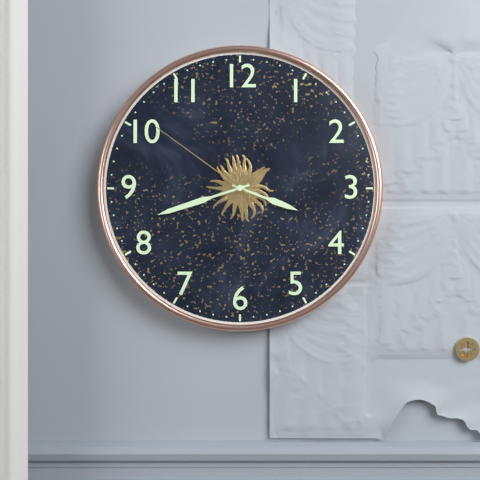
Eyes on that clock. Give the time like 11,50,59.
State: 3,42,51
